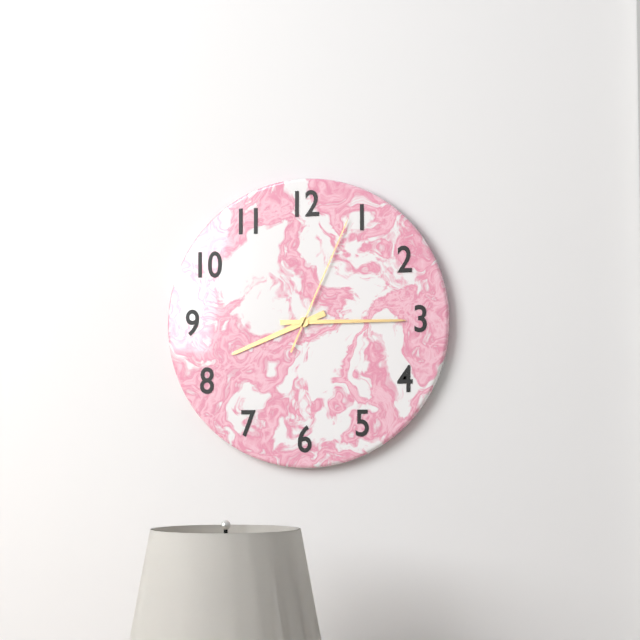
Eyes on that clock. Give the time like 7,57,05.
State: 8,15,04
